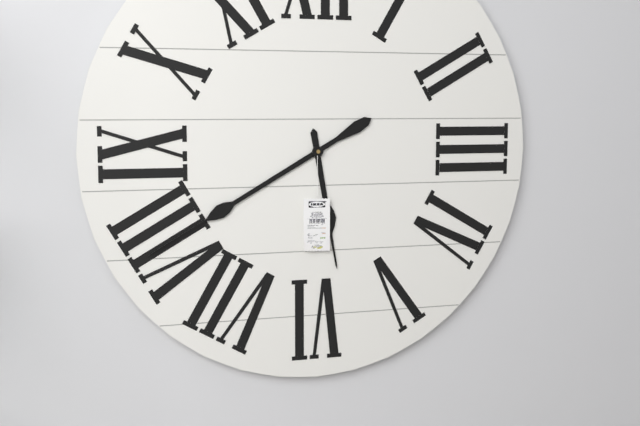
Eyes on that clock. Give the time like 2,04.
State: 5,40
